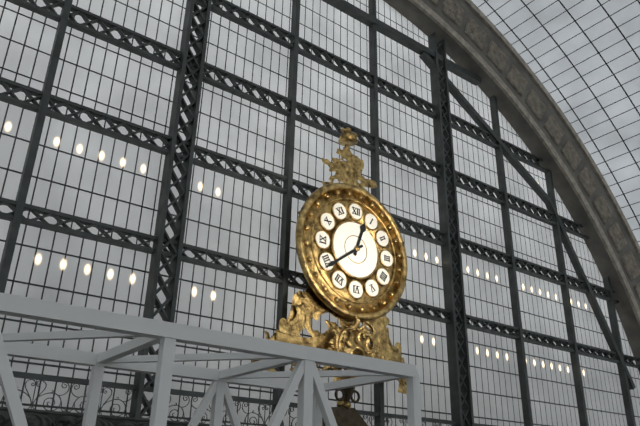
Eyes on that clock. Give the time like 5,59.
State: 12,39
